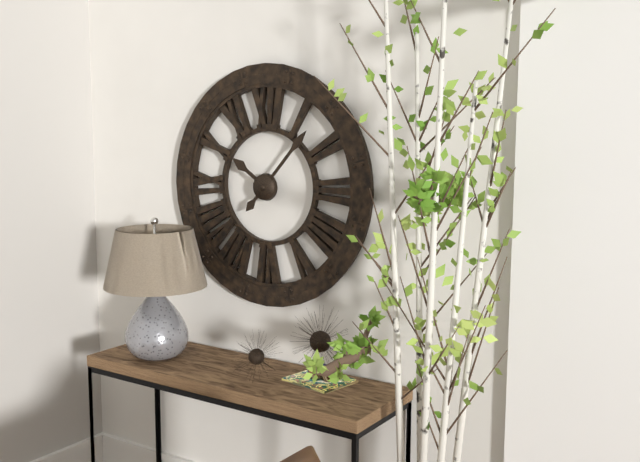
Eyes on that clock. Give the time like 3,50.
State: 10,07
